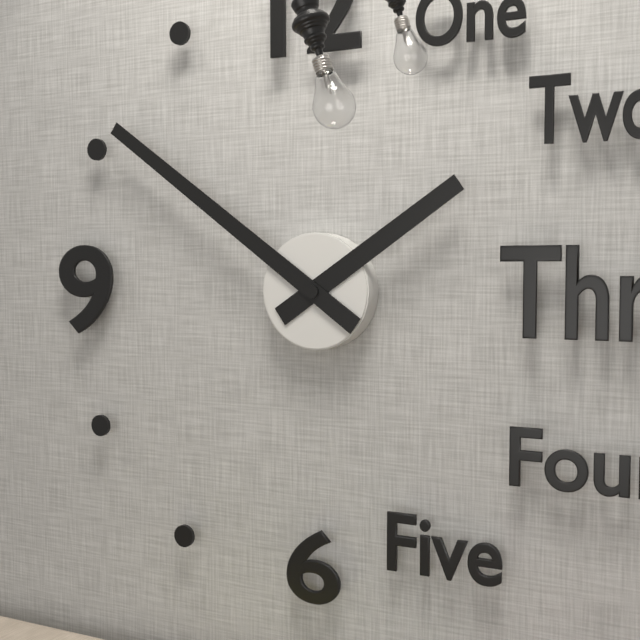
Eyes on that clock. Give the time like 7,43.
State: 1,51
